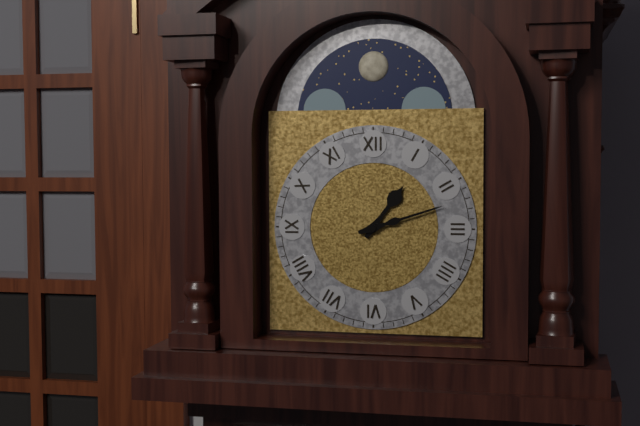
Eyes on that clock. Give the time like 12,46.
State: 1,12
